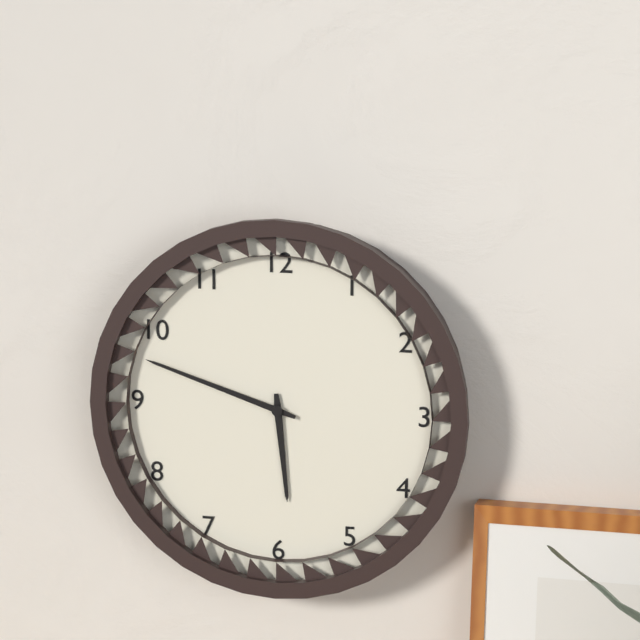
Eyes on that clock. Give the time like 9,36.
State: 5,48
